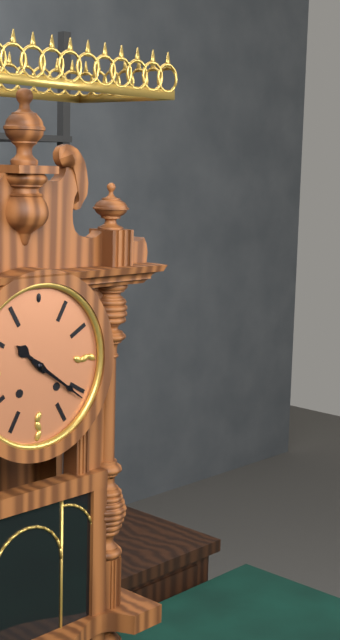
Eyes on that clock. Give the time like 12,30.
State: 10,21
